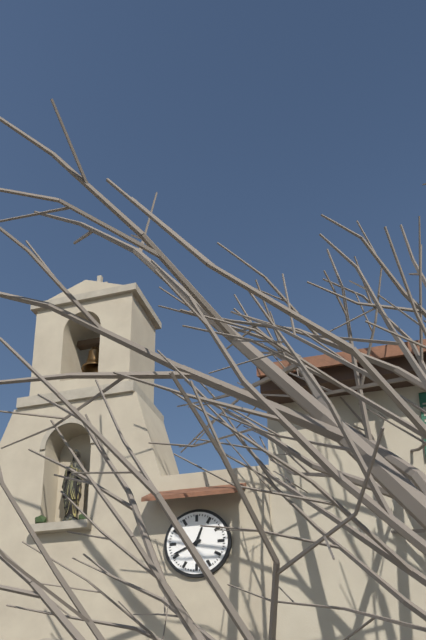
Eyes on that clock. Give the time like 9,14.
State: 12,41
